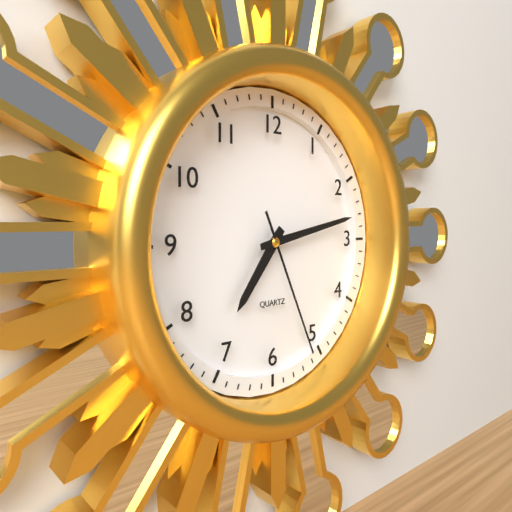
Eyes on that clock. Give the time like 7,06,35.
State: 7,13,26
